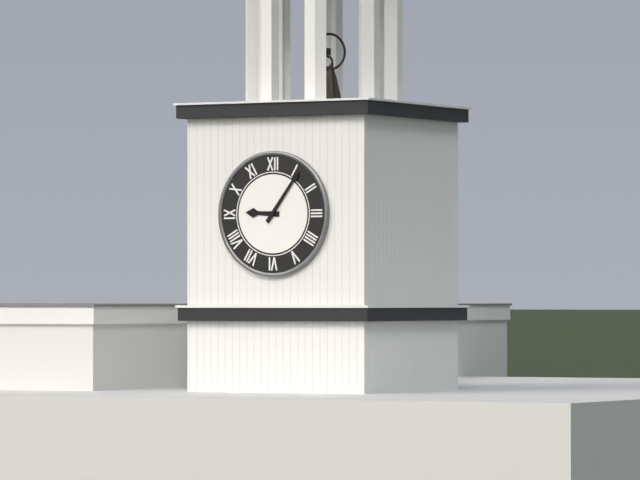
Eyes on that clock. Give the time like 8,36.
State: 9,06
